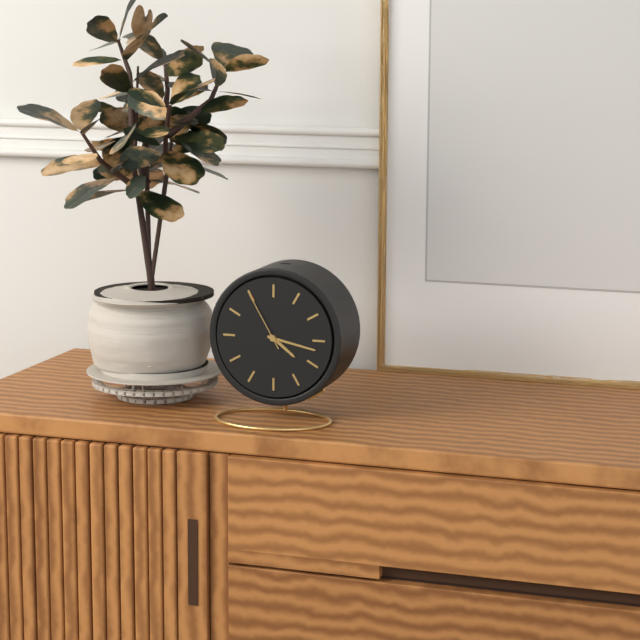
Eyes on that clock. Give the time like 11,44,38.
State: 4,17,55
